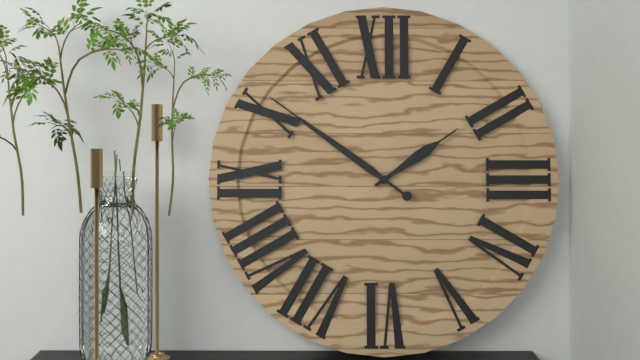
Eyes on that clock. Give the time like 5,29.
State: 1,51
